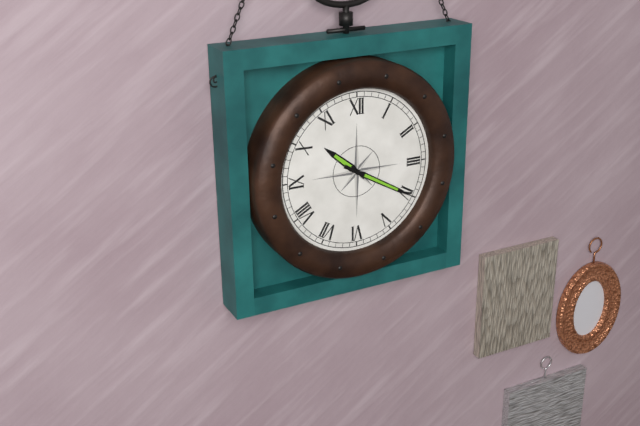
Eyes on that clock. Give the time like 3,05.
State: 10,20
